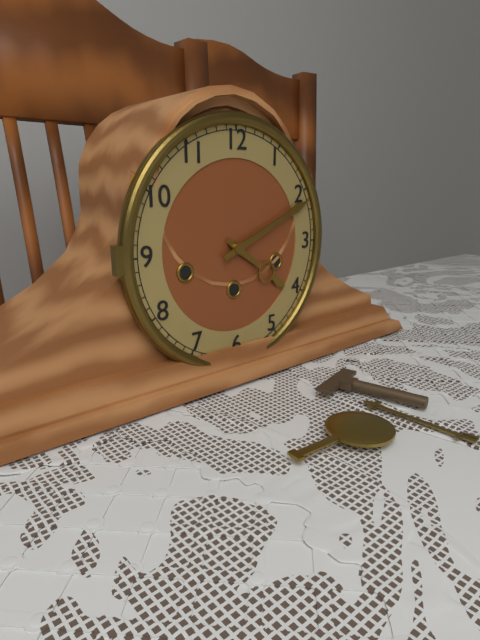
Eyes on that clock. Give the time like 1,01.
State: 4,11
